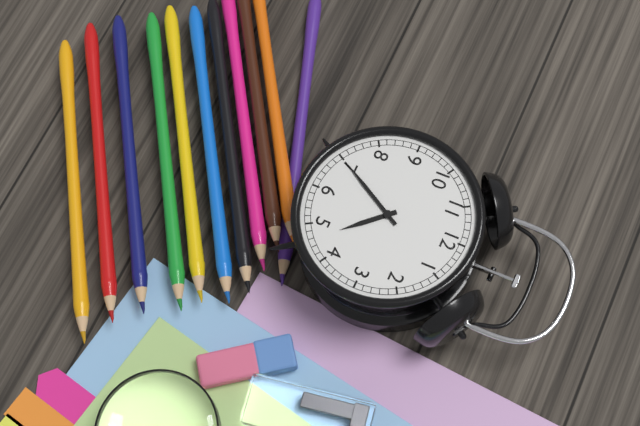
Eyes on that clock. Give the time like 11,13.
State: 4,35
